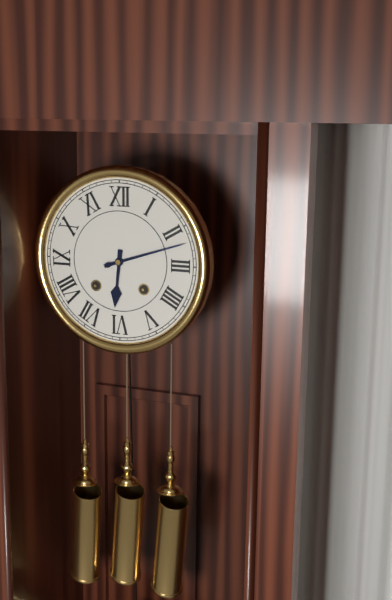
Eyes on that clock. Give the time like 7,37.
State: 6,12
